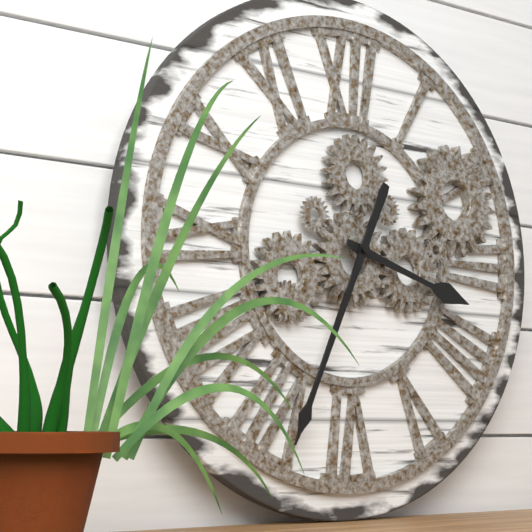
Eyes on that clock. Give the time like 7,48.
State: 3,34
